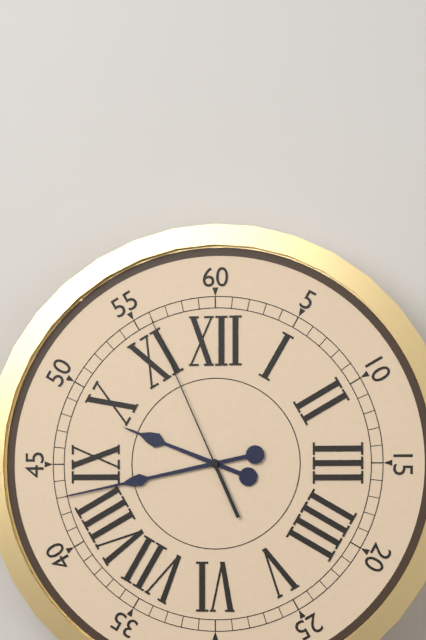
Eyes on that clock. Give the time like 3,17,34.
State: 9,43,56
